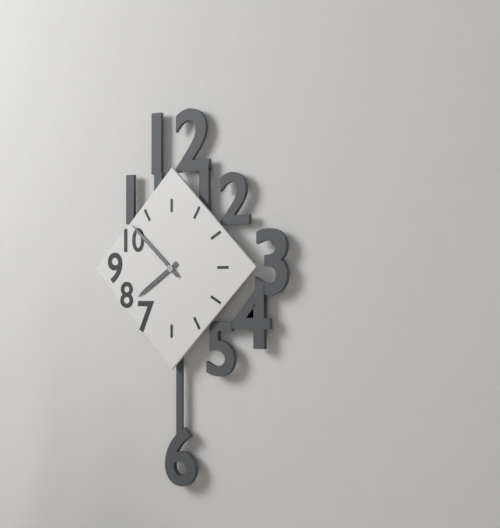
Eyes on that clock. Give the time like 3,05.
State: 7,52
